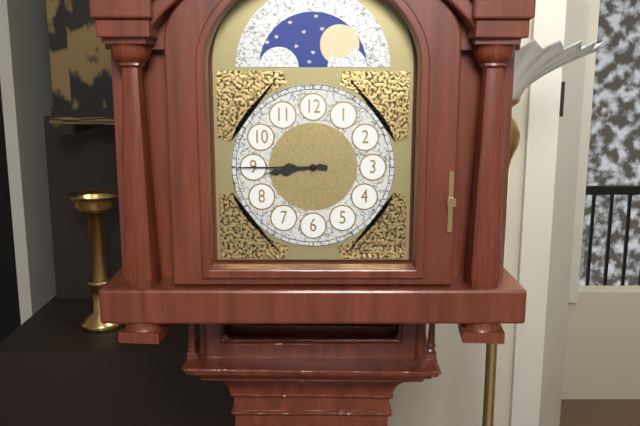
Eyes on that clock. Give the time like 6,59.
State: 8,45
